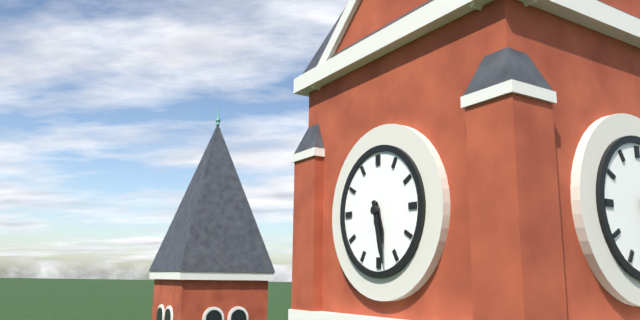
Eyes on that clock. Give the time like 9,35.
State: 5,28
